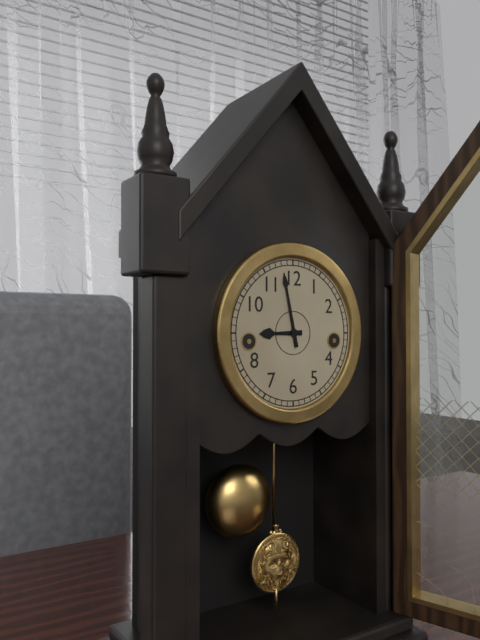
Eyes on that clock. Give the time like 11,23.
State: 8,58
